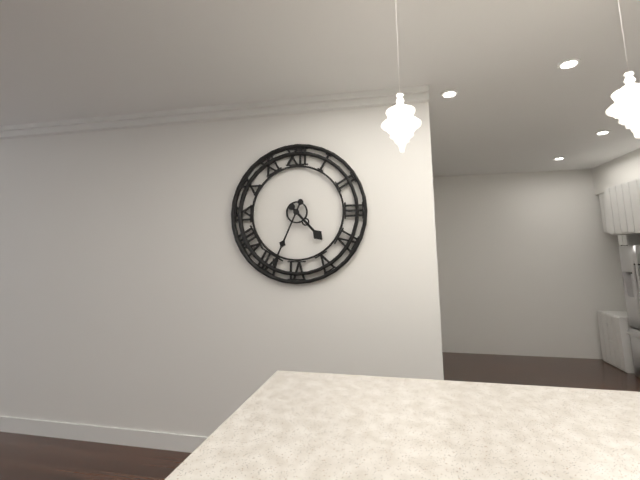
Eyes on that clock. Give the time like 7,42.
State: 4,34
